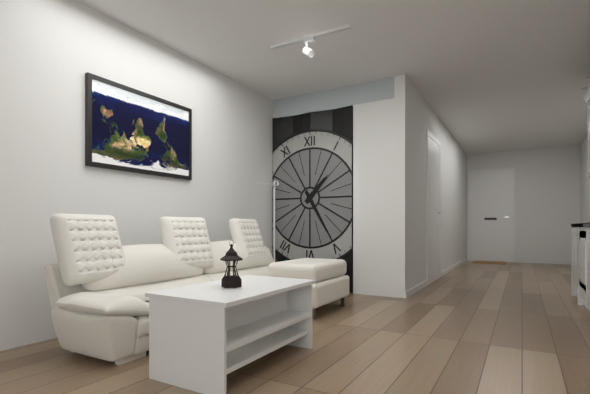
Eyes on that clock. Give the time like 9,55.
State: 1,25
